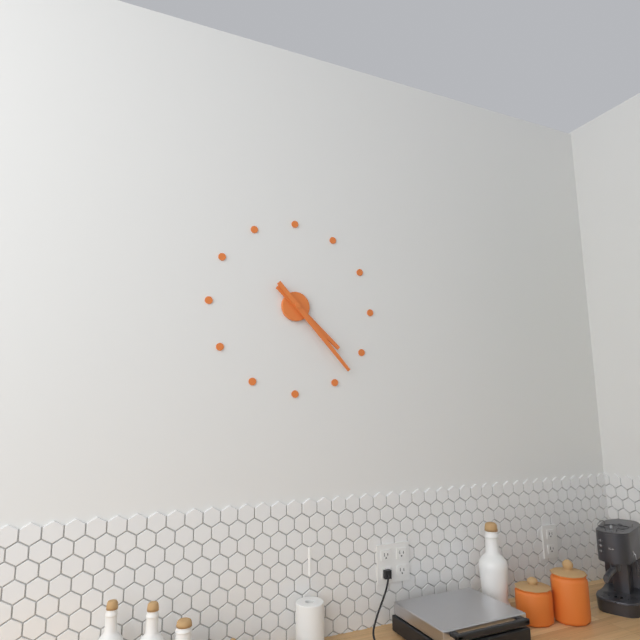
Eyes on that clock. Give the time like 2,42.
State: 4,23
